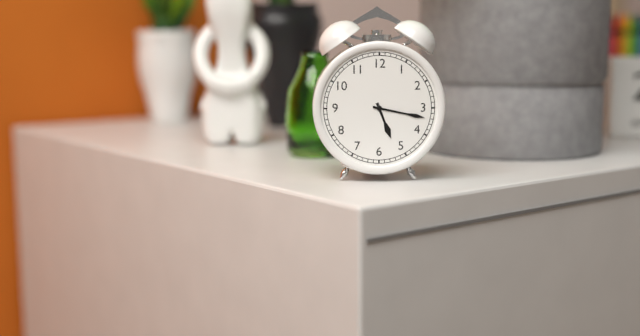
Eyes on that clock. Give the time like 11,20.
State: 5,17
